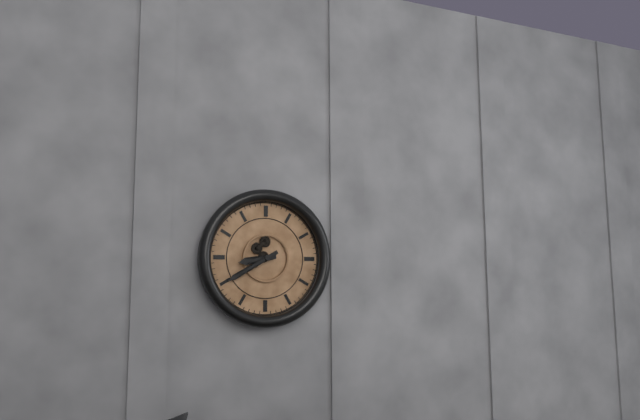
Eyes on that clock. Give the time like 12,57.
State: 8,40
